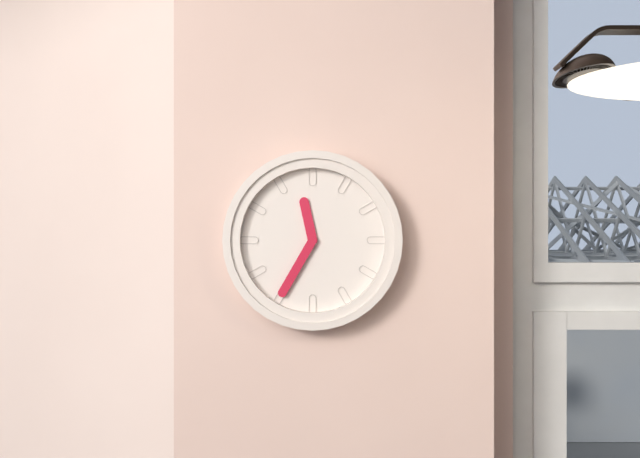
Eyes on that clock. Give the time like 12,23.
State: 11,35
